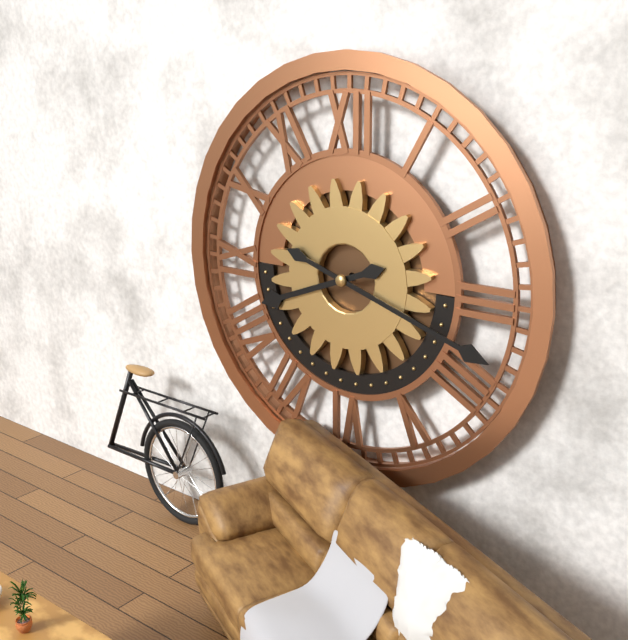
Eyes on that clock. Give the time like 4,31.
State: 8,18
